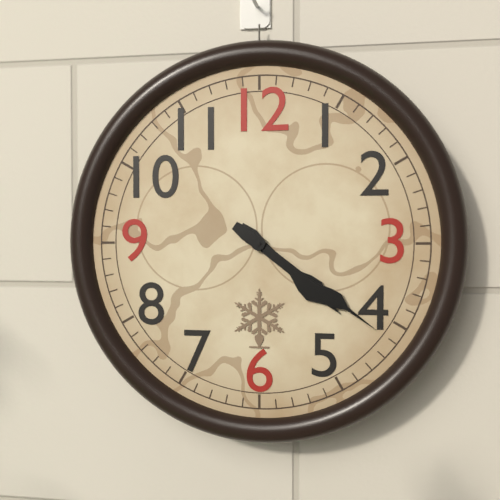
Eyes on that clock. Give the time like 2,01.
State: 4,21
